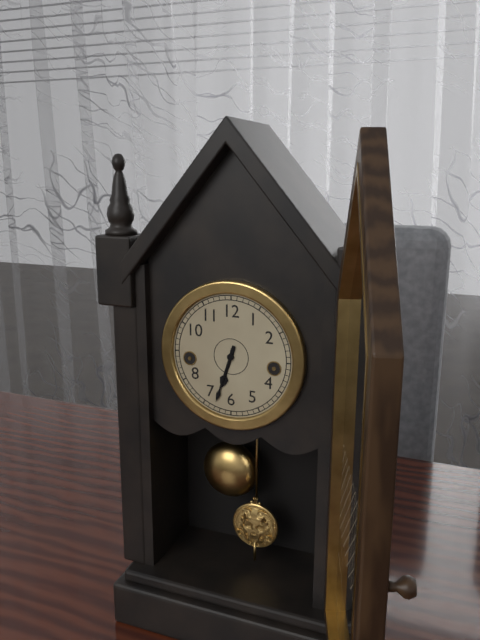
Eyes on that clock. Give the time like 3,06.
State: 6,33
